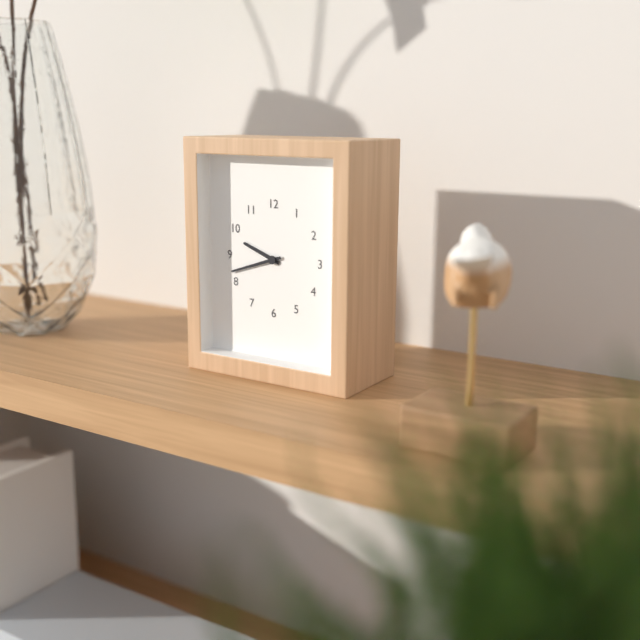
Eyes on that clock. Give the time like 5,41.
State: 9,42
